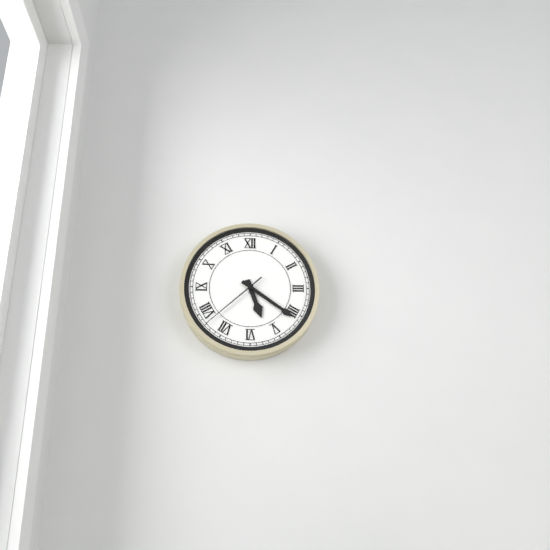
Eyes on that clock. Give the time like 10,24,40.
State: 5,21,38
